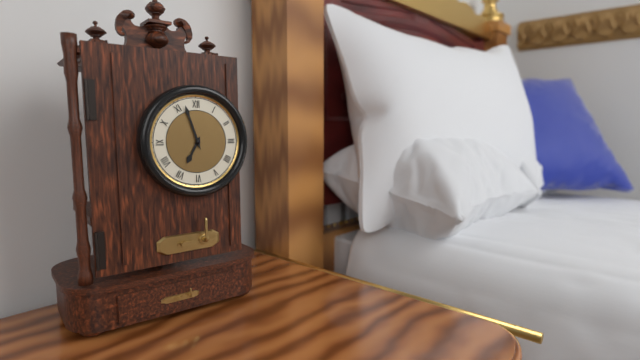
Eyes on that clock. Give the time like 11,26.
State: 6,57
